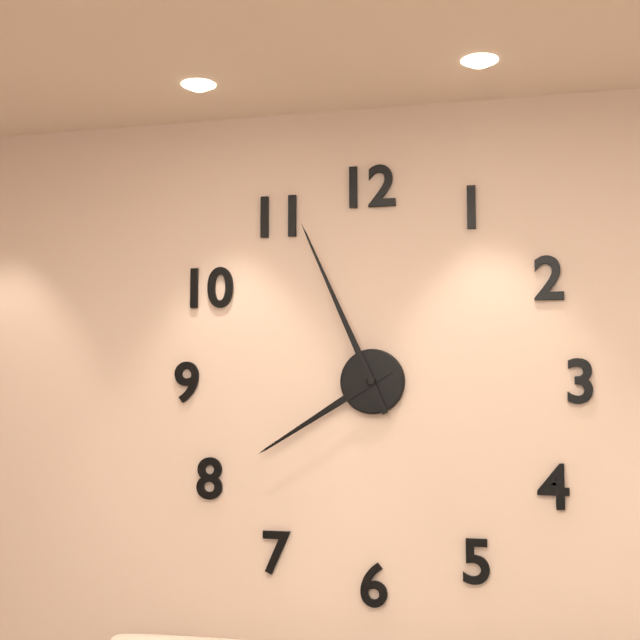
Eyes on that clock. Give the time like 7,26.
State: 7,56
